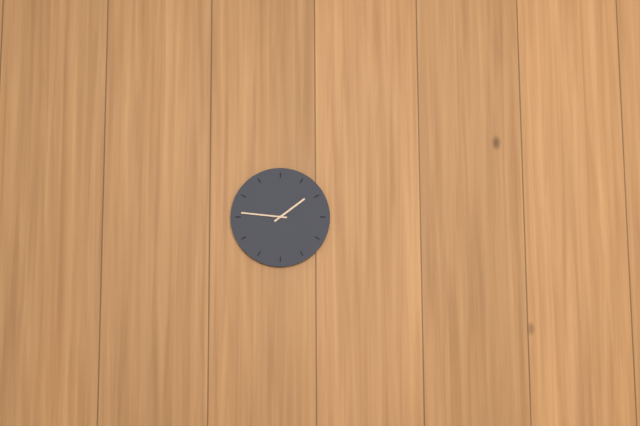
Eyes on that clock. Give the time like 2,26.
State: 1,46
